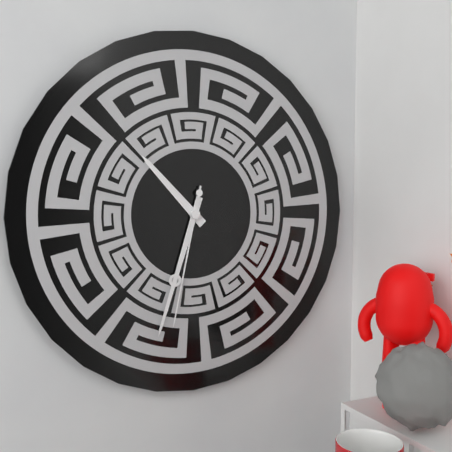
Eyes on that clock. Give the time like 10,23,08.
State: 10,33,32
